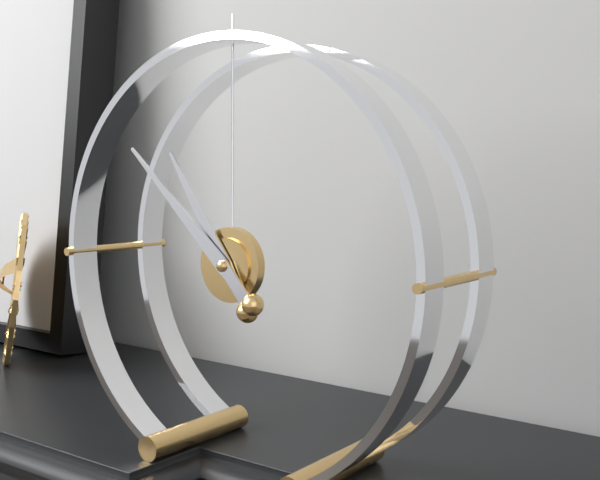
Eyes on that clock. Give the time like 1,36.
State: 10,52
